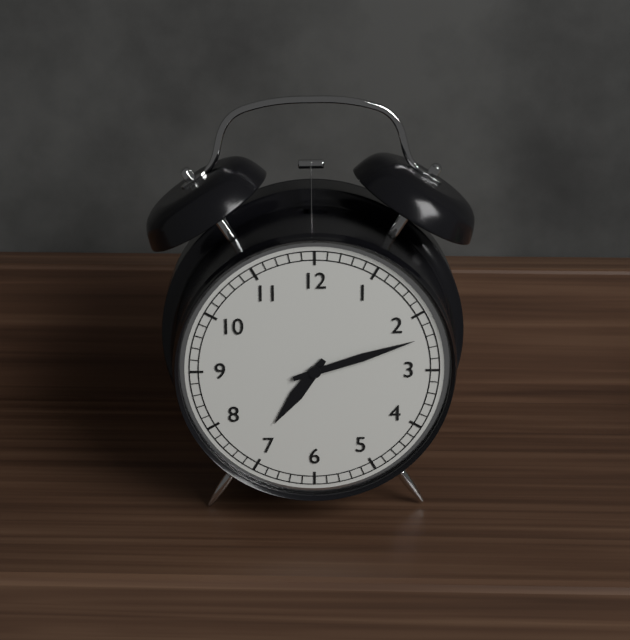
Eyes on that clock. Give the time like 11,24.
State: 7,12
